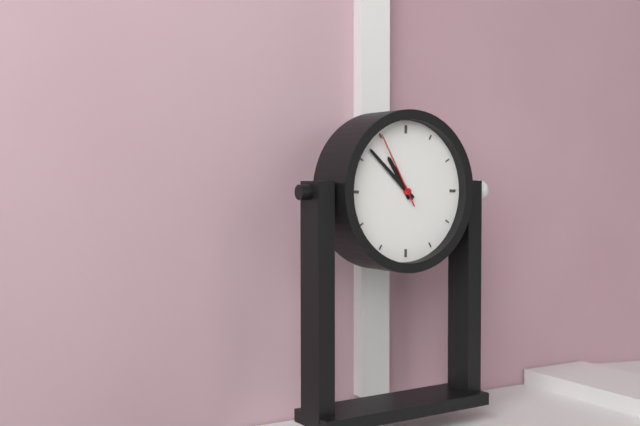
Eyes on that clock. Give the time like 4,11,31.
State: 10,52,55
